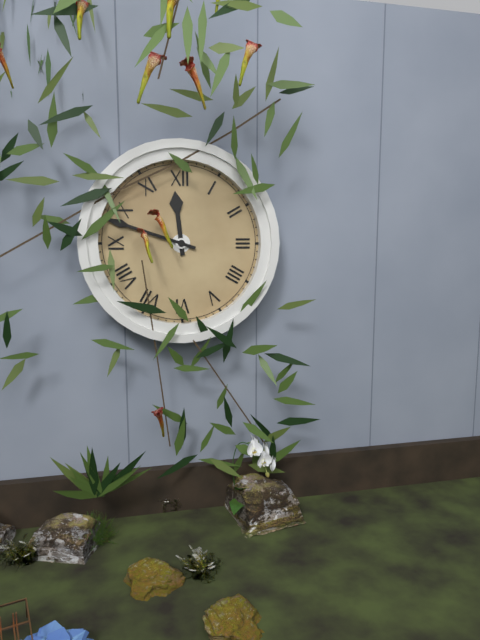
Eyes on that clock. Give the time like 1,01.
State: 11,48
